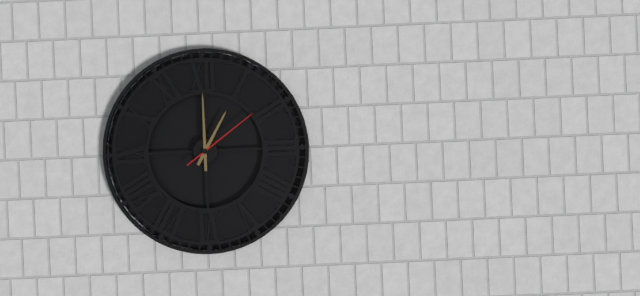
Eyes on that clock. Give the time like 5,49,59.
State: 1,00,09
